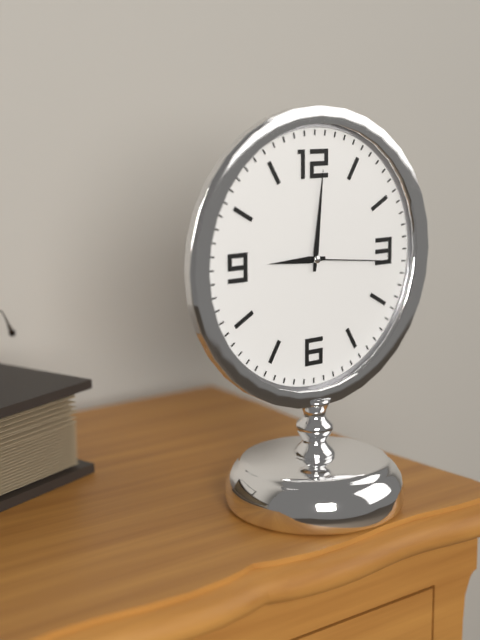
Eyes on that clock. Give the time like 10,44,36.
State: 9,01,16
